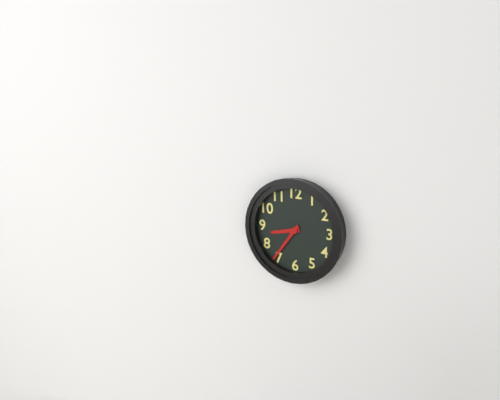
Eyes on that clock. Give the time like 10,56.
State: 8,36
